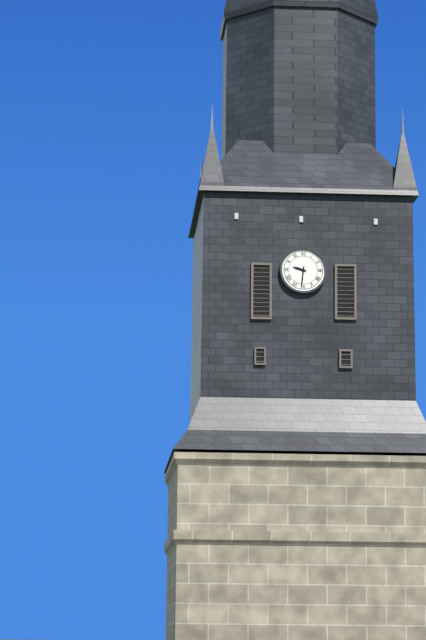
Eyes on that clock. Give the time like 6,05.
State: 9,31
